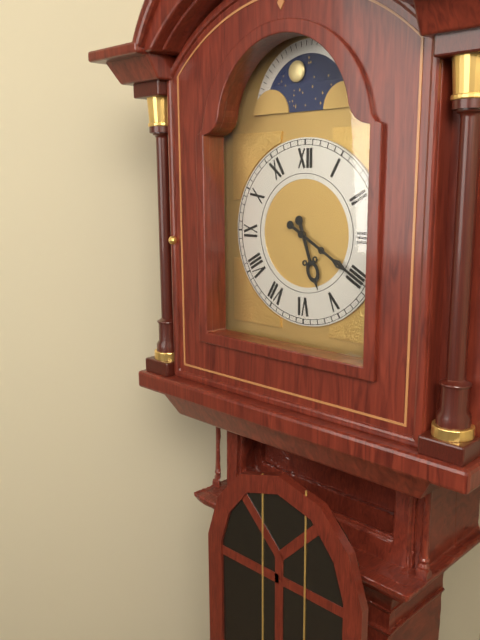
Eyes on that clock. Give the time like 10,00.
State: 5,20
